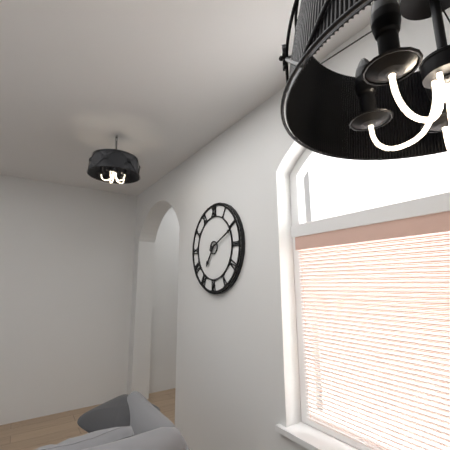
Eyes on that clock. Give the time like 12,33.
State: 7,11
